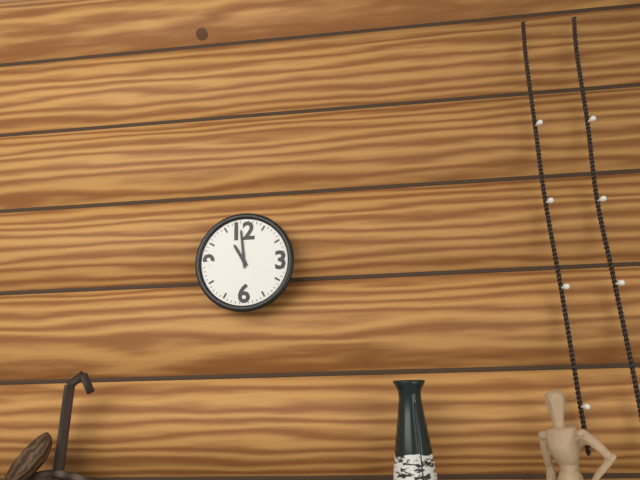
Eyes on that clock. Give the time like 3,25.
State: 10,59
